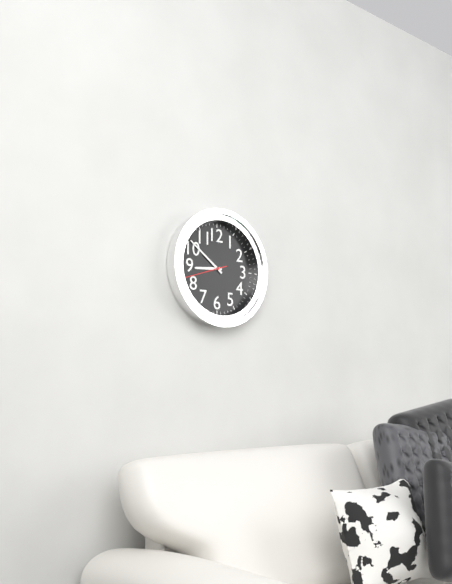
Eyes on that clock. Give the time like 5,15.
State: 8,51
